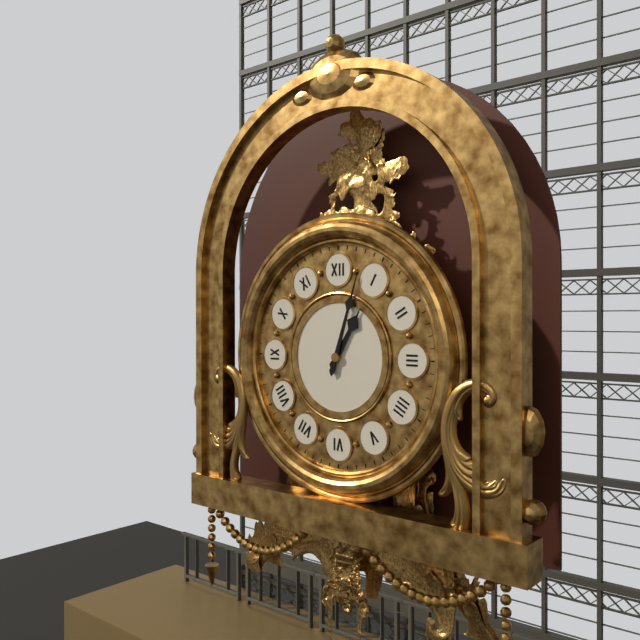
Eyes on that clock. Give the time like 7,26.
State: 1,03
